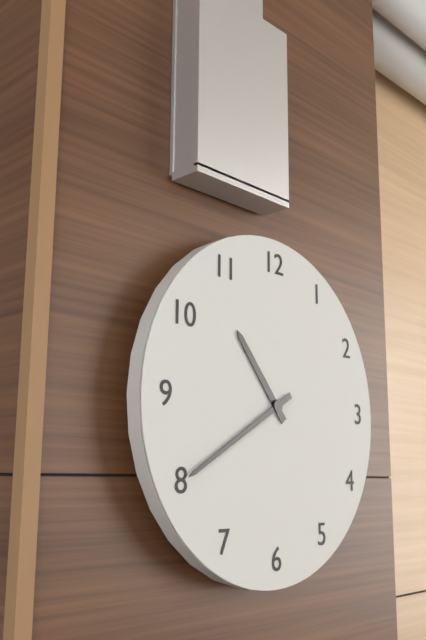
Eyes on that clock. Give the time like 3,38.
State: 10,40
